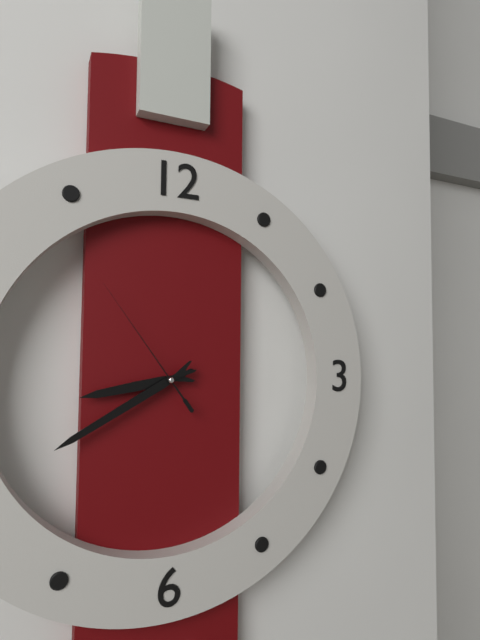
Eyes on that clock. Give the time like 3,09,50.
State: 8,40,54
